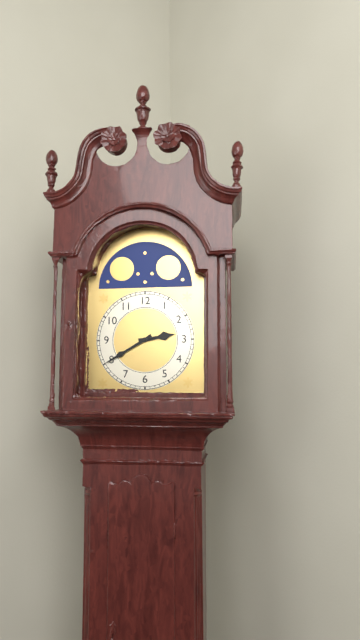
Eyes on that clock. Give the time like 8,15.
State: 2,40
